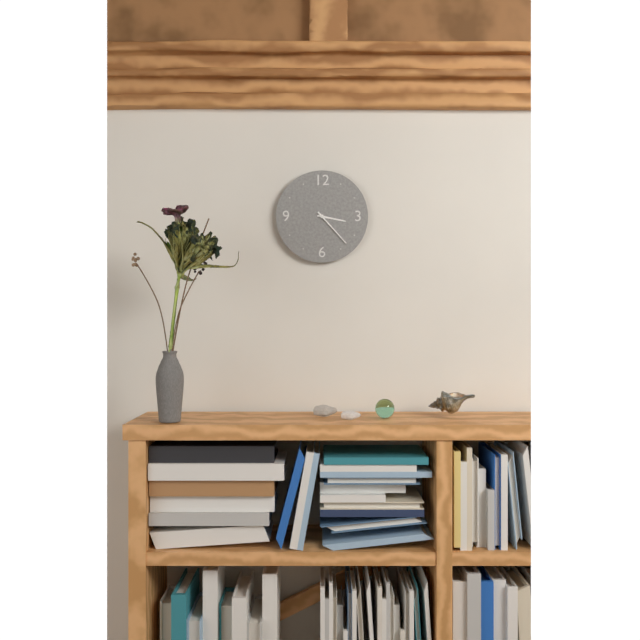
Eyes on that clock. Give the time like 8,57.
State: 3,23
